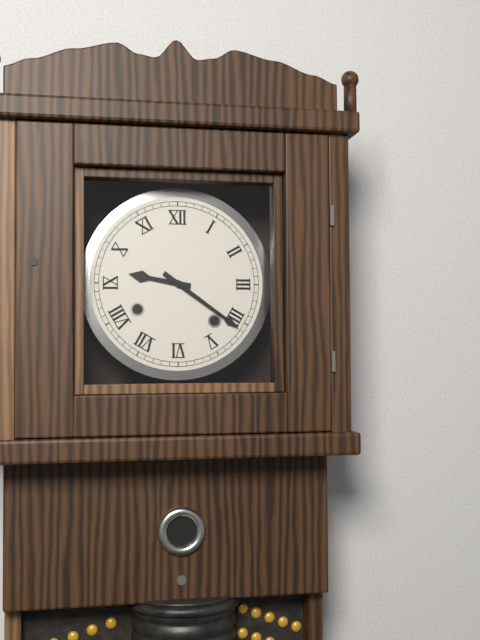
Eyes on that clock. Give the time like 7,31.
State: 9,21
